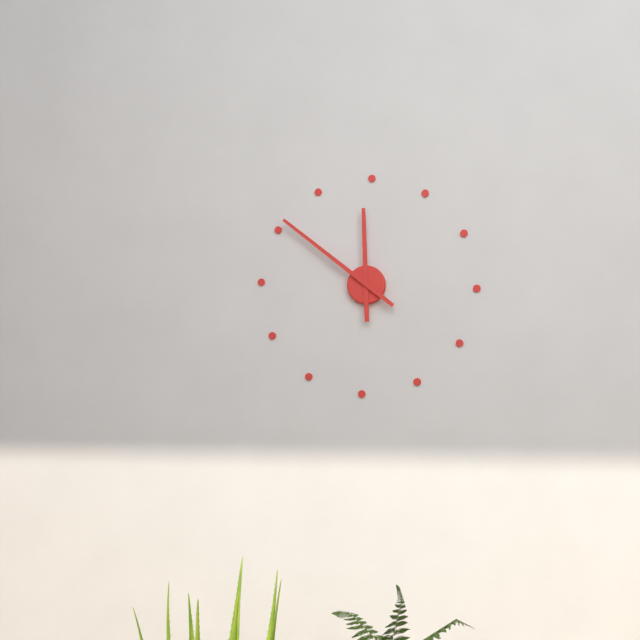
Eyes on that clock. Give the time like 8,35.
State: 11,51
